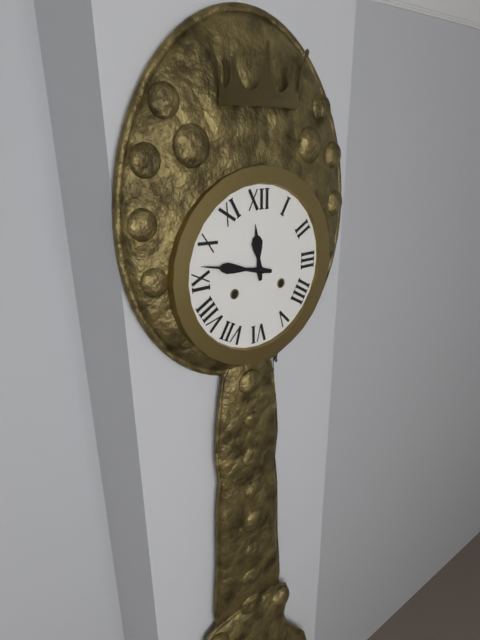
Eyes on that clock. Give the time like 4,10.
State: 11,47
